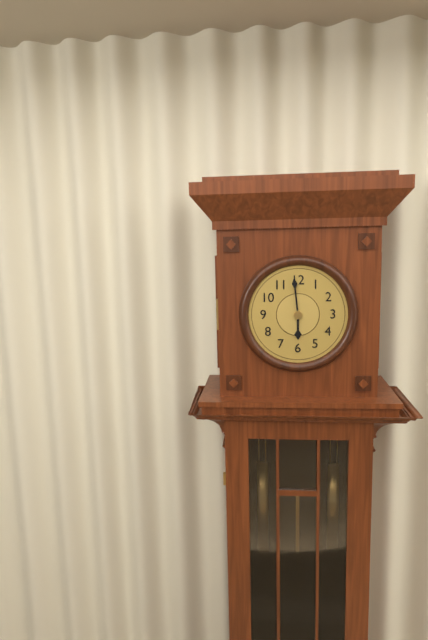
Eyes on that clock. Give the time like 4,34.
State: 5,59
